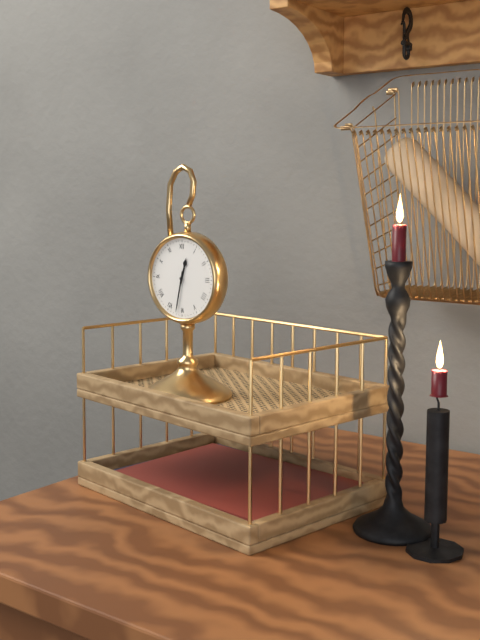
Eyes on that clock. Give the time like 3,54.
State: 12,32
